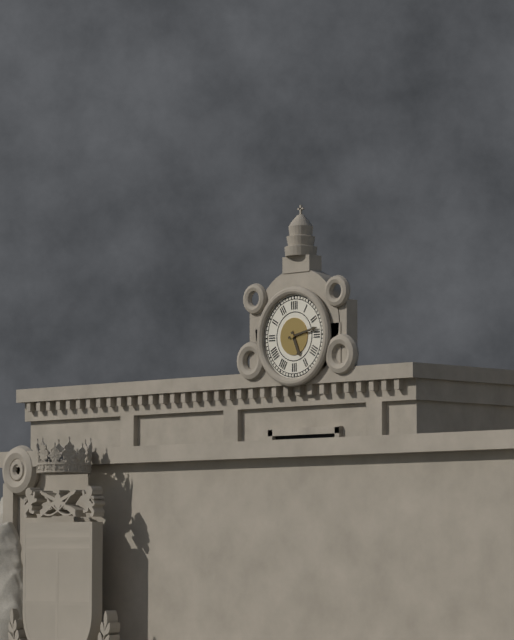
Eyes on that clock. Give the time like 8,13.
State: 5,13
